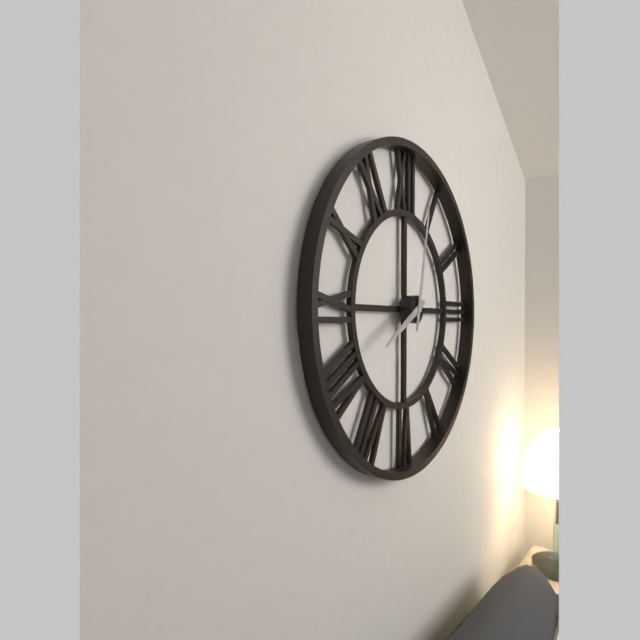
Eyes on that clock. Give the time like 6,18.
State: 8,02
